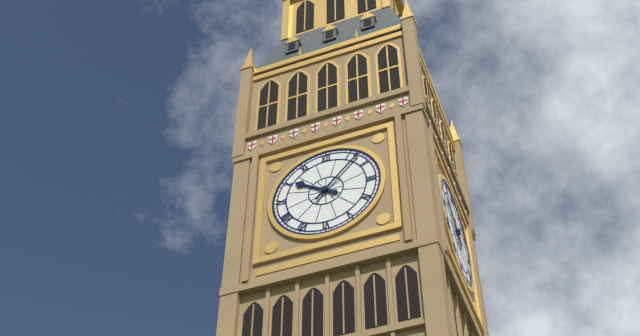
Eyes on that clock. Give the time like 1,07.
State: 10,07
